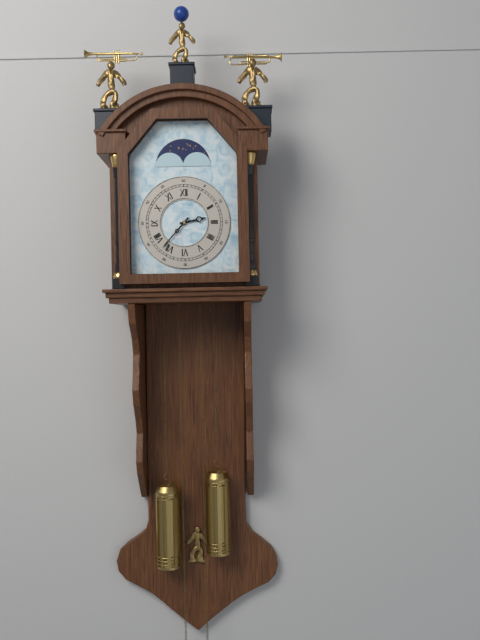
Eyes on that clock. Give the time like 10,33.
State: 2,37
